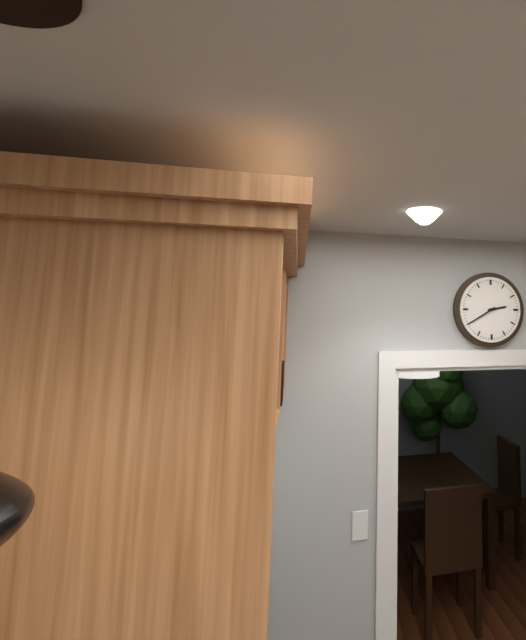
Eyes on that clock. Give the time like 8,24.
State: 2,40
